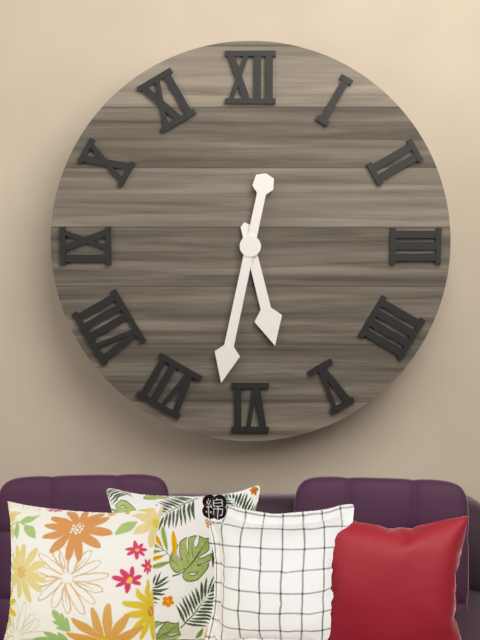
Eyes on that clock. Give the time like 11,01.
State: 5,32
